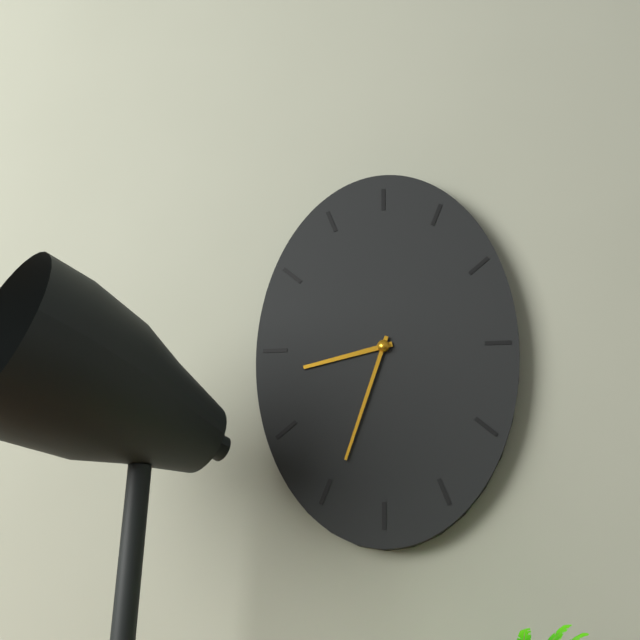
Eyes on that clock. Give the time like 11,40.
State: 8,33
